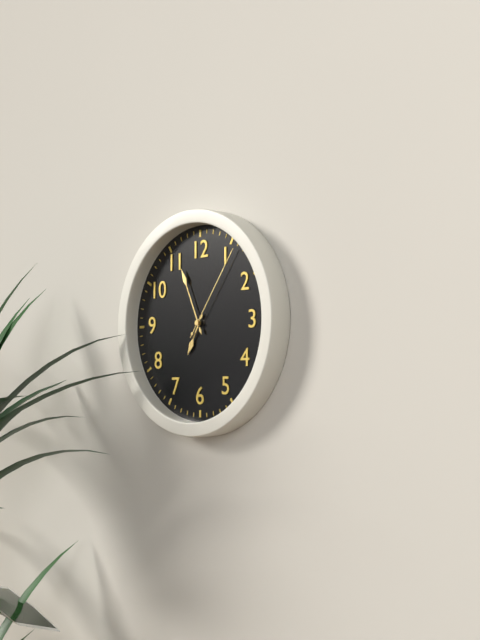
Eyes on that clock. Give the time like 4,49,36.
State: 6,56,06
